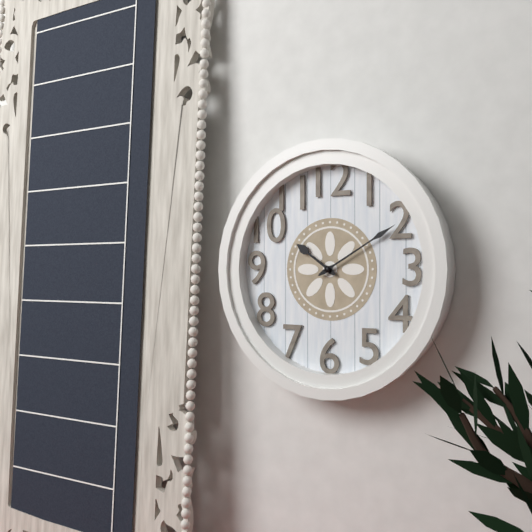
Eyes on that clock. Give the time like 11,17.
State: 10,10
